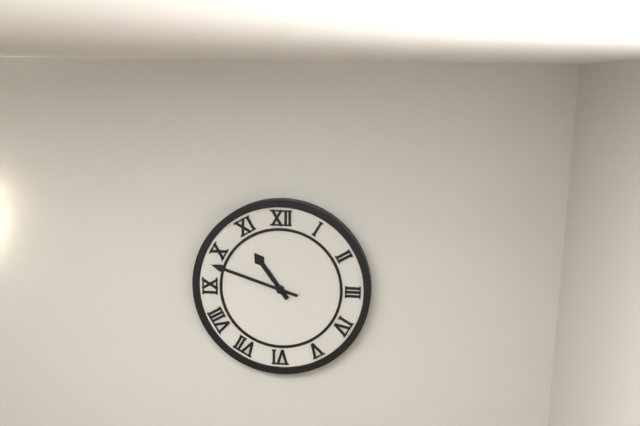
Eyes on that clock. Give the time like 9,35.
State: 10,48
